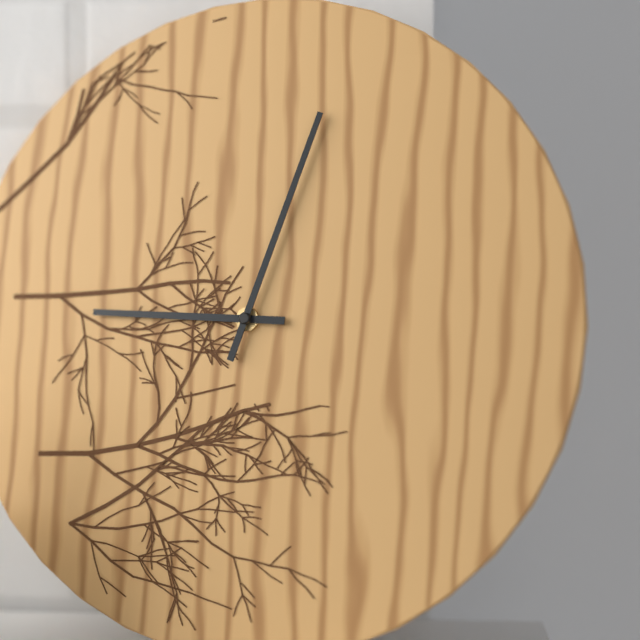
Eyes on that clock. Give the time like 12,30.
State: 9,03
